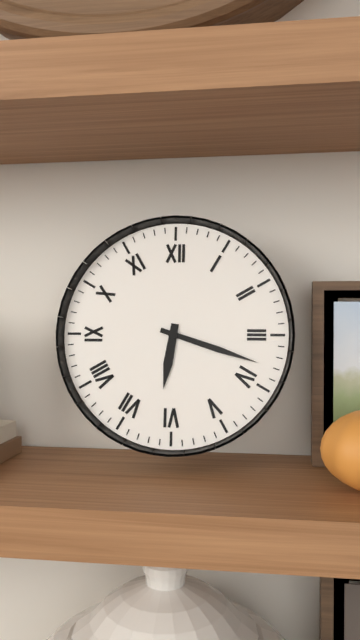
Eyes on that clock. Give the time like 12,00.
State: 6,18
